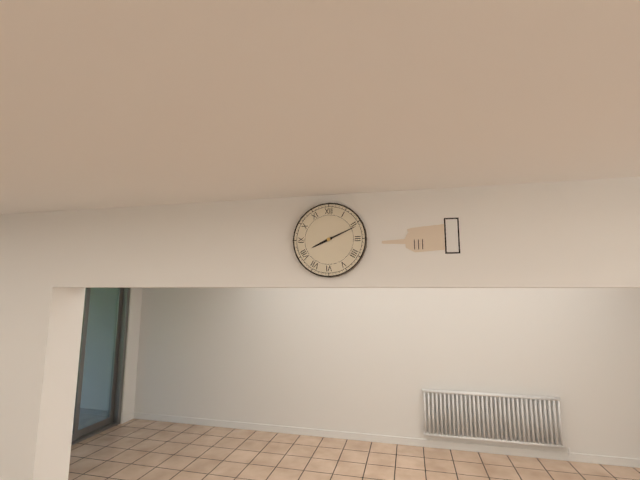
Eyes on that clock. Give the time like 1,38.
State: 8,11
